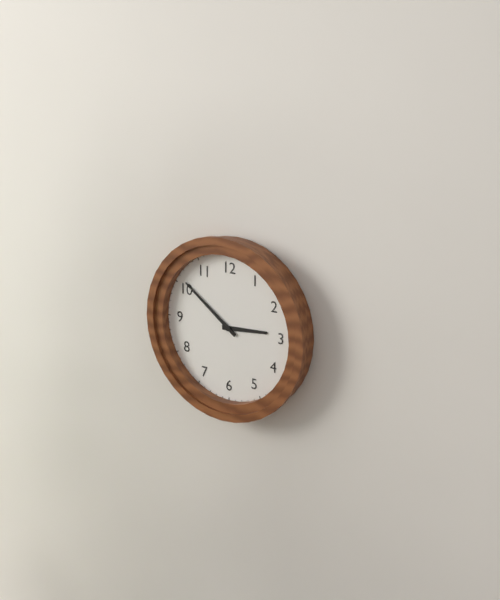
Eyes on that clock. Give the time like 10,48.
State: 2,51
